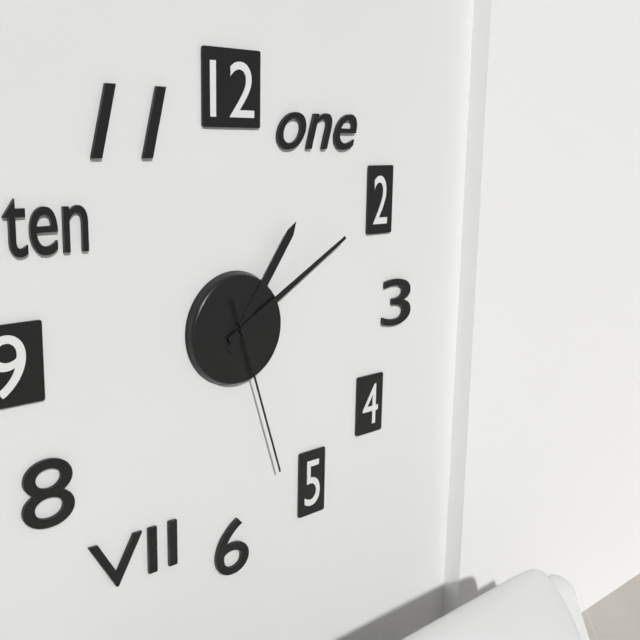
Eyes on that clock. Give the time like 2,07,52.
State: 1,10,27
